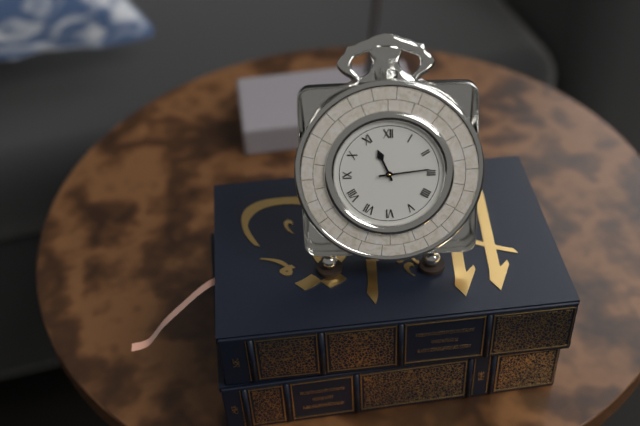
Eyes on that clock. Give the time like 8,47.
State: 11,14
